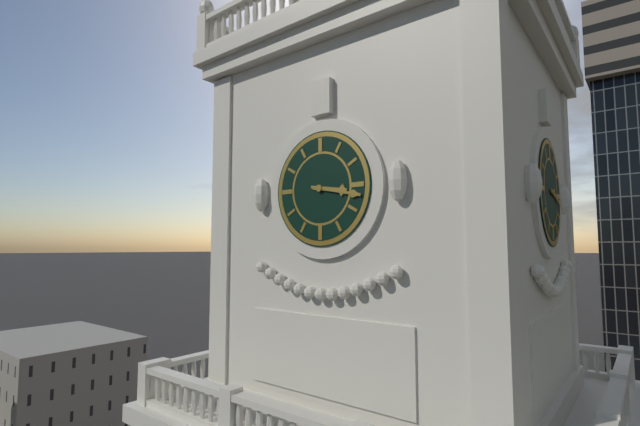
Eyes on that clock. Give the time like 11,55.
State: 3,17
